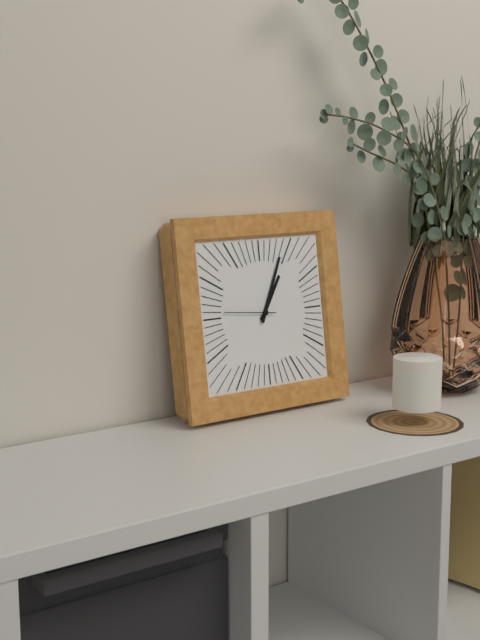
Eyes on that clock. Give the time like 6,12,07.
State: 1,04,46
